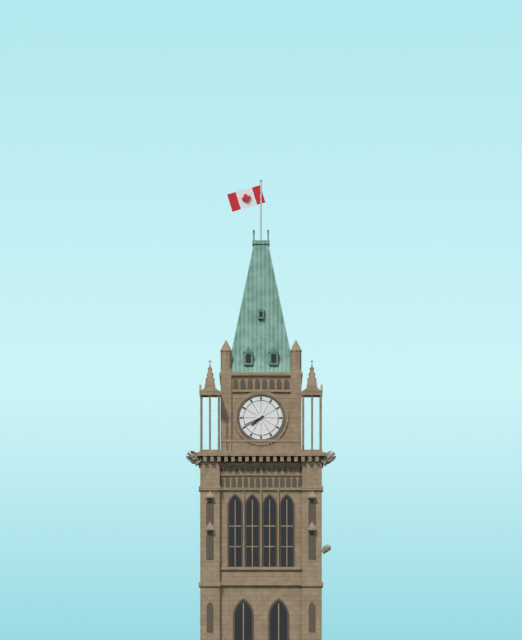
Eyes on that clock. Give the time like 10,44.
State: 7,41
